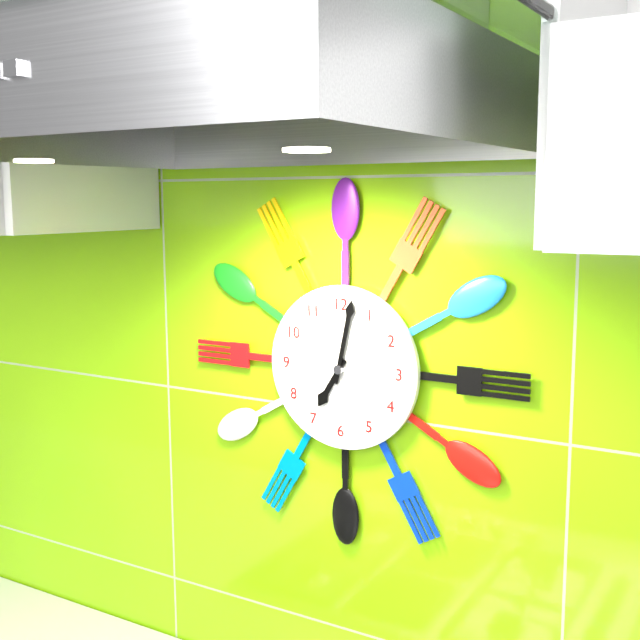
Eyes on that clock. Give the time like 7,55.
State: 7,02
